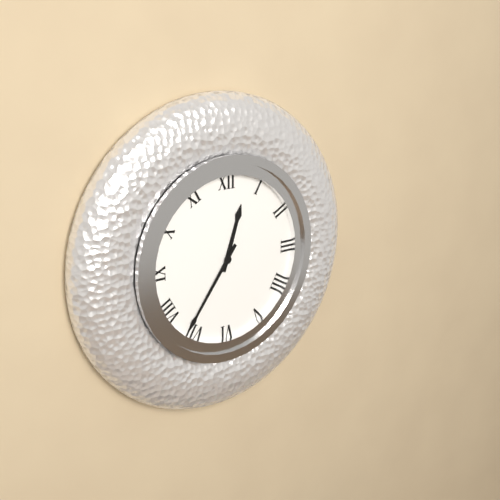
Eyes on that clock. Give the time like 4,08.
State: 12,36
